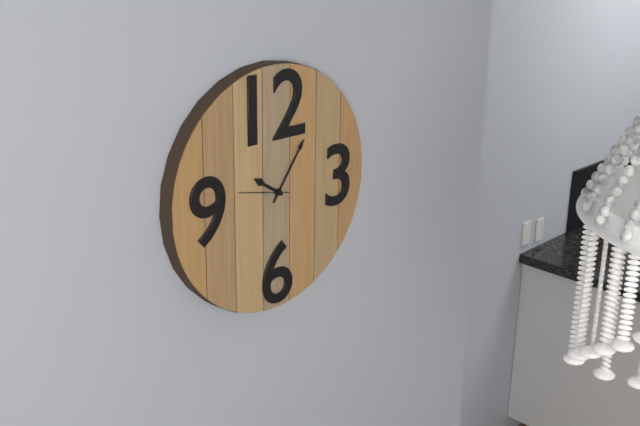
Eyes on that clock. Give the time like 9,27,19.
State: 10,06,47
